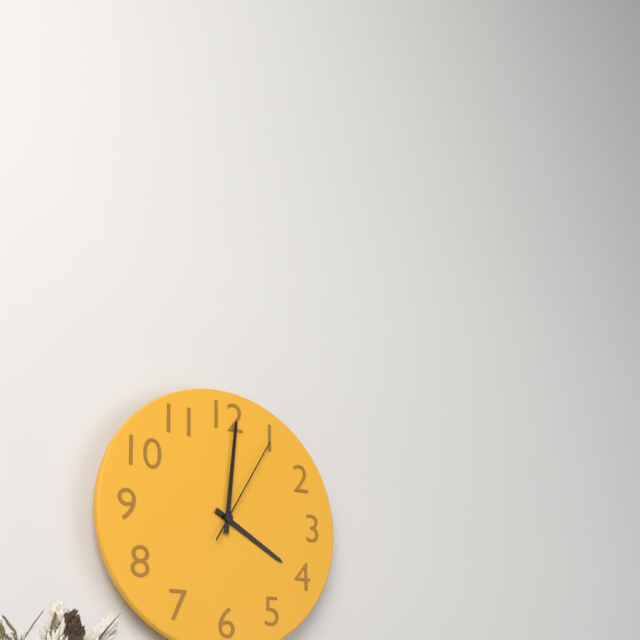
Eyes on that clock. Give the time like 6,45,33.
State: 4,01,05
